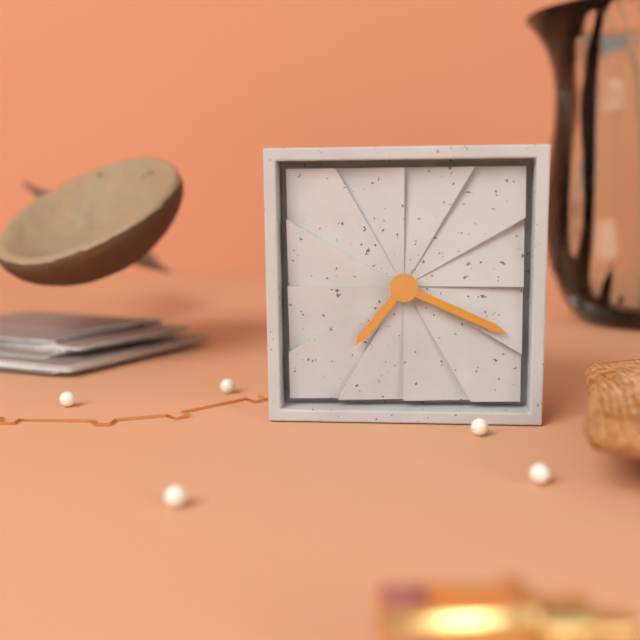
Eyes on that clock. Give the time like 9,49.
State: 7,19
